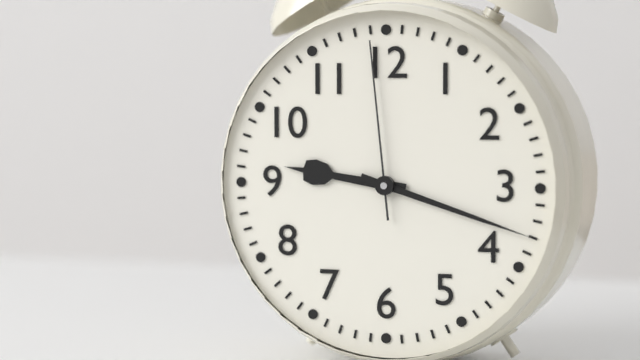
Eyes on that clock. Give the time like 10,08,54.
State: 9,18,59
